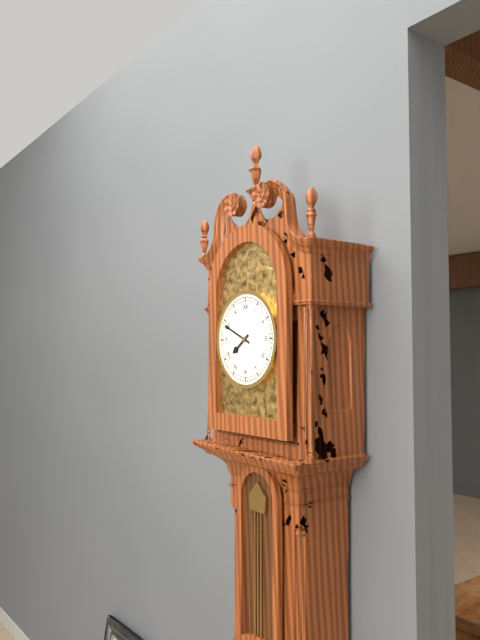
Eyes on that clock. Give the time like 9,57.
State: 7,49
